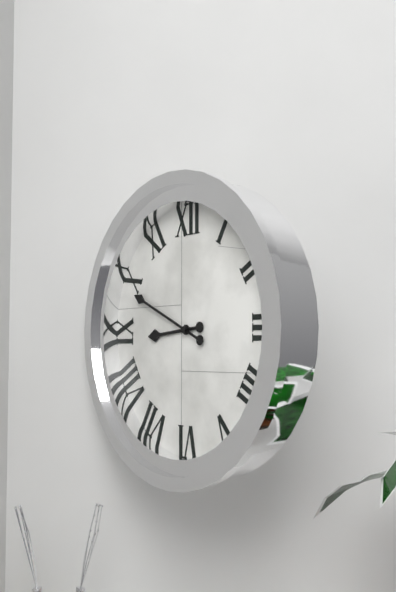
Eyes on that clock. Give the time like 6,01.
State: 8,49
